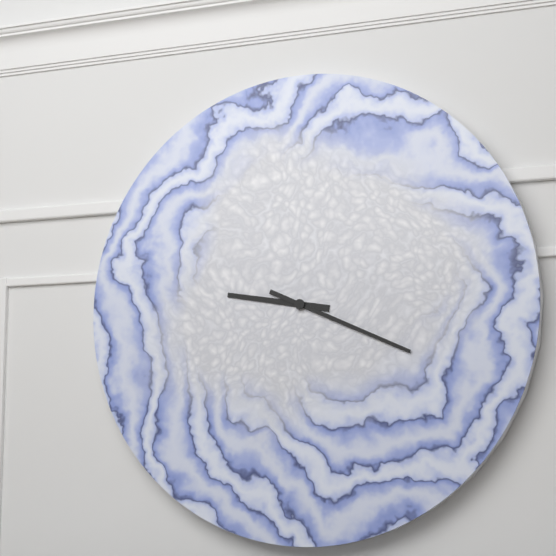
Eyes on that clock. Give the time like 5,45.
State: 9,19
